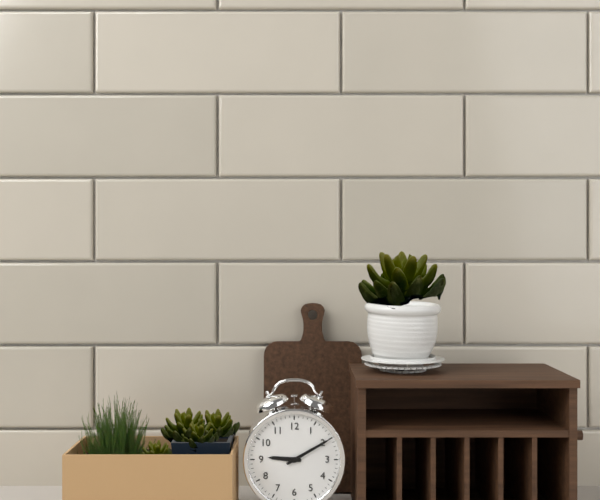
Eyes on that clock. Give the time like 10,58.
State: 9,10
